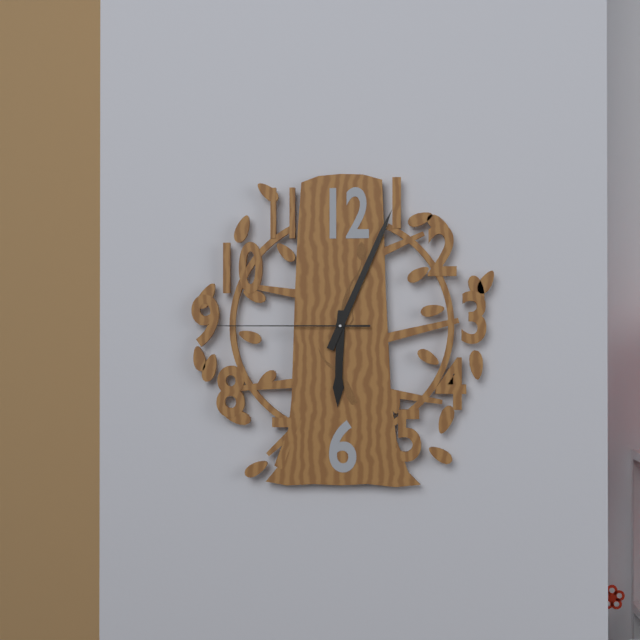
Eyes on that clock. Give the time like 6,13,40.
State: 6,04,45
